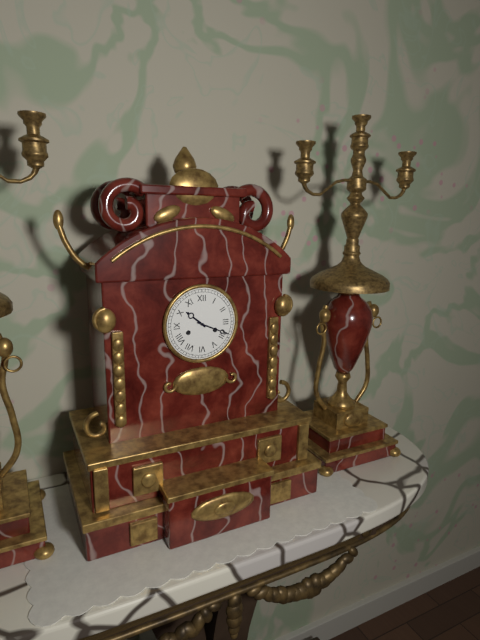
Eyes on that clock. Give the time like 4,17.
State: 10,19
